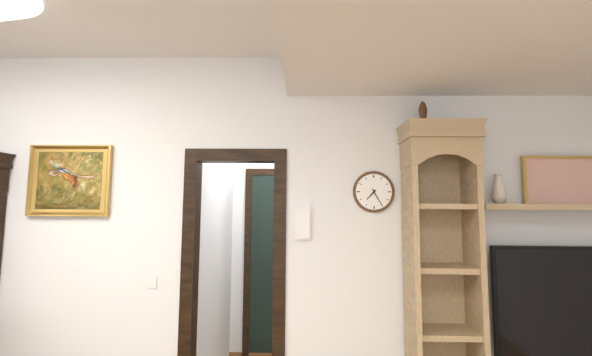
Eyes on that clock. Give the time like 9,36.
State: 7,25
